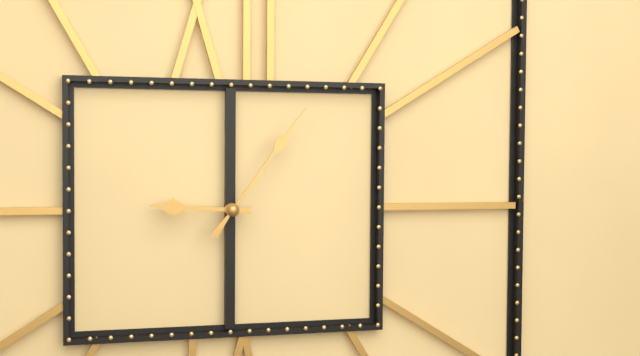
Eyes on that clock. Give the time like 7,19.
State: 9,06
